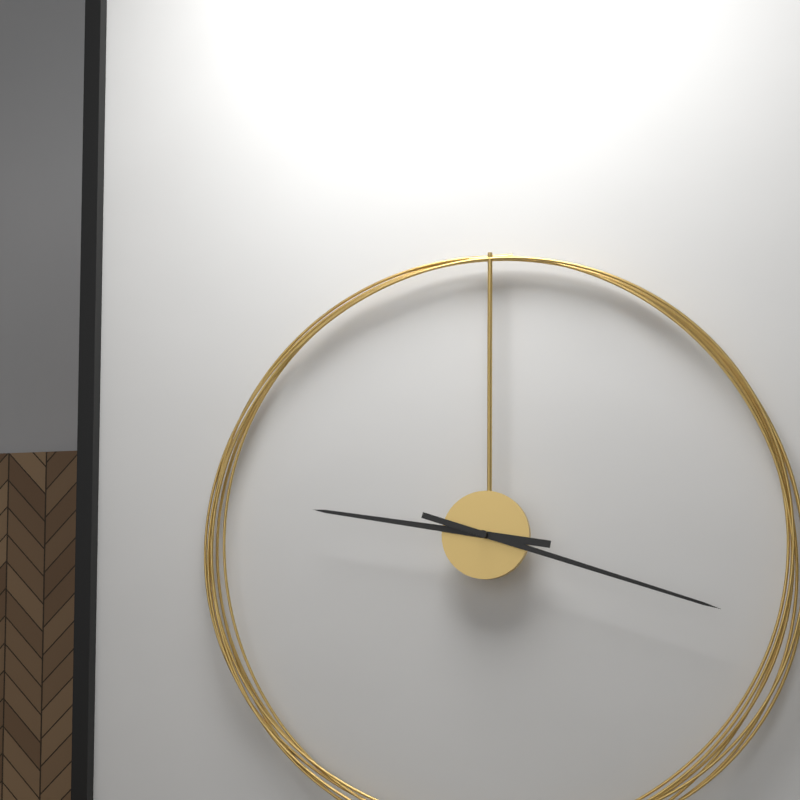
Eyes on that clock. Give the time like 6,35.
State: 9,18
